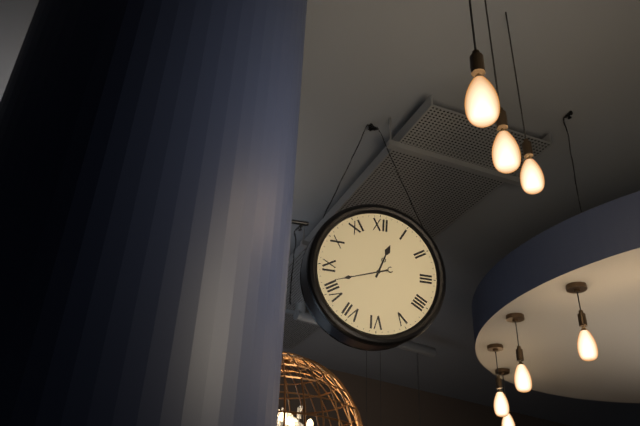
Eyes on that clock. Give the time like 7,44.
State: 12,42
